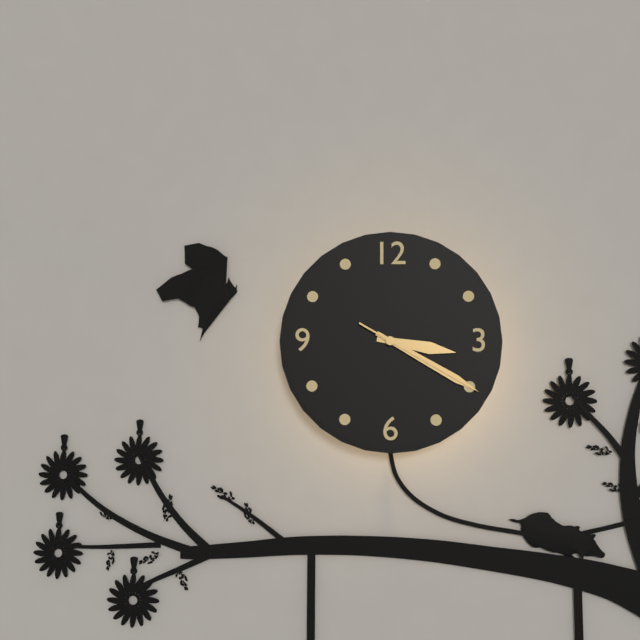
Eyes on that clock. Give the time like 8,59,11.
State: 3,20,20
